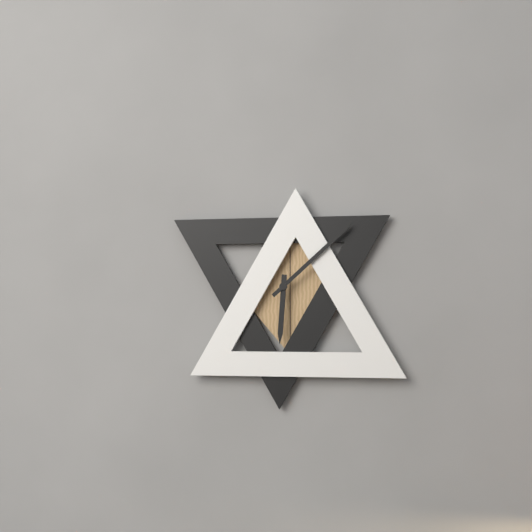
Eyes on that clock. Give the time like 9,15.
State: 6,08
